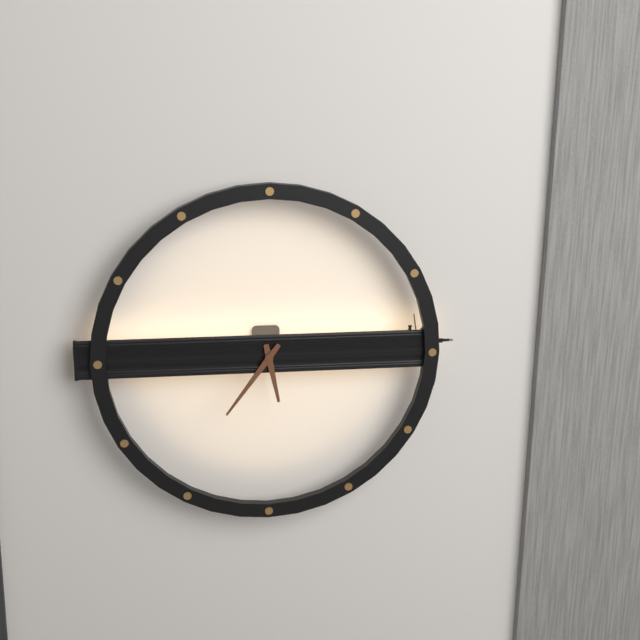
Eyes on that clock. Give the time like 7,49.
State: 5,36
